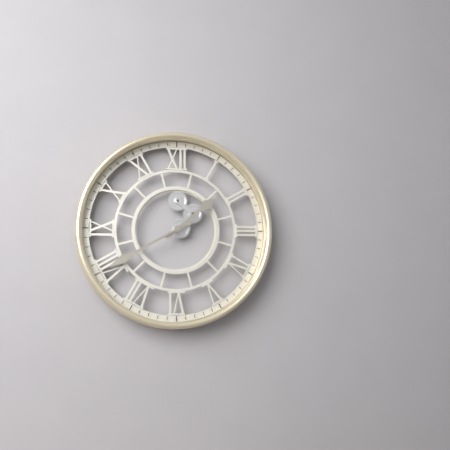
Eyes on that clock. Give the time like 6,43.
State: 1,40
